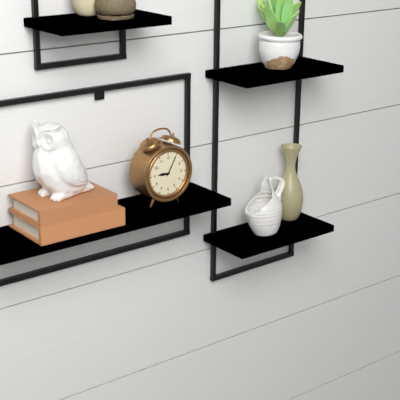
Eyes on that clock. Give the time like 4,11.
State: 9,05
